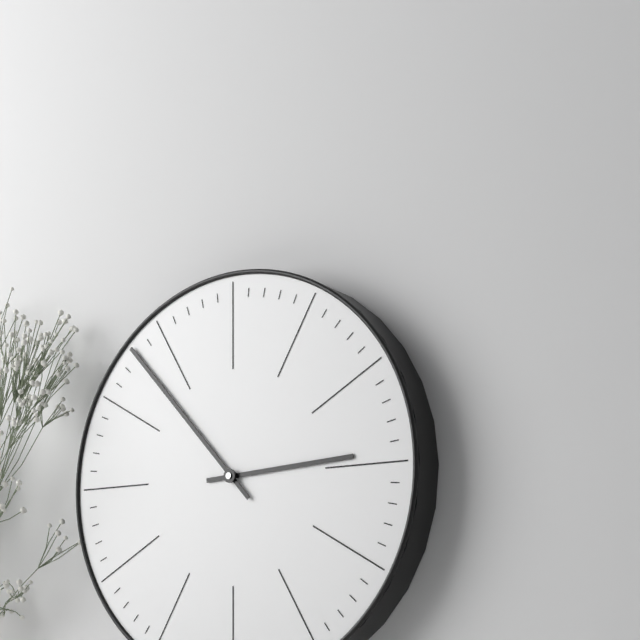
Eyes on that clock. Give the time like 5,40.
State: 2,53
